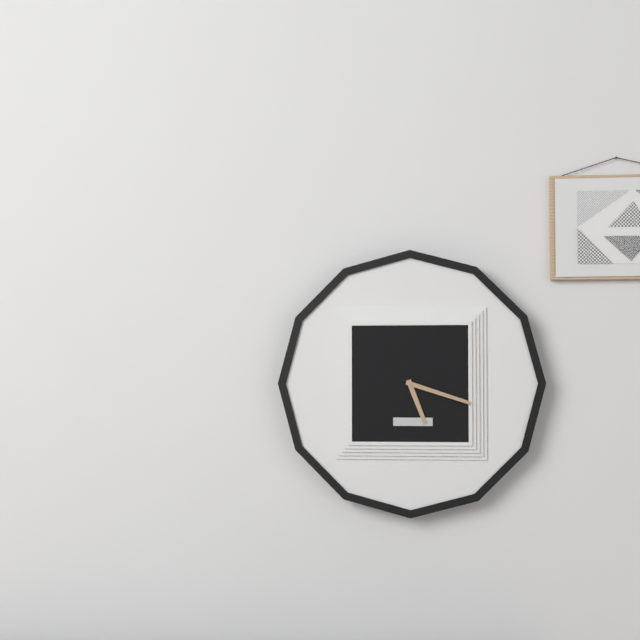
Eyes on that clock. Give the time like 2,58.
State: 5,18
